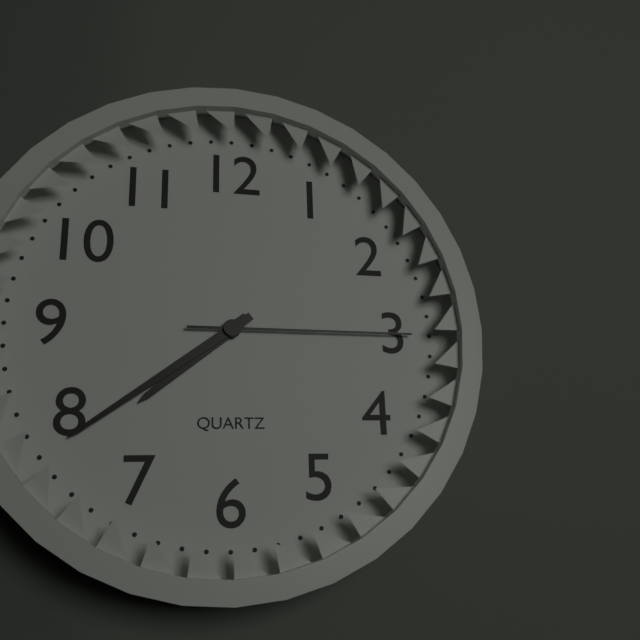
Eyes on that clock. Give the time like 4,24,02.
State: 7,39,15
